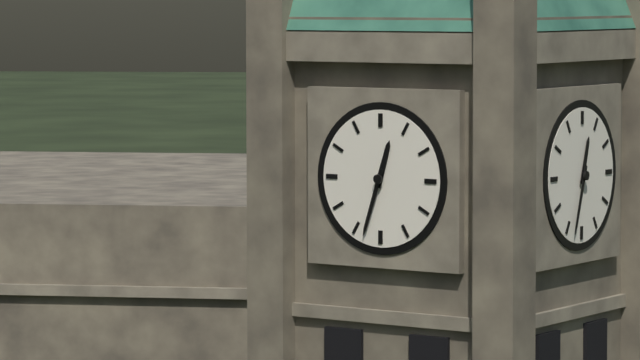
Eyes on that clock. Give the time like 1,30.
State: 12,33
